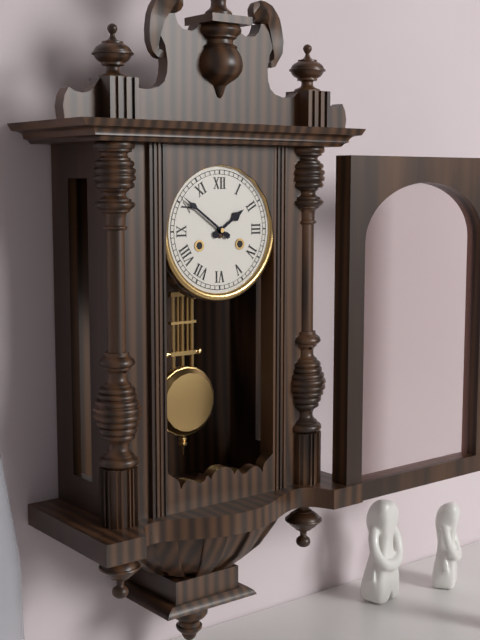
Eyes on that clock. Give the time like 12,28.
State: 1,51
